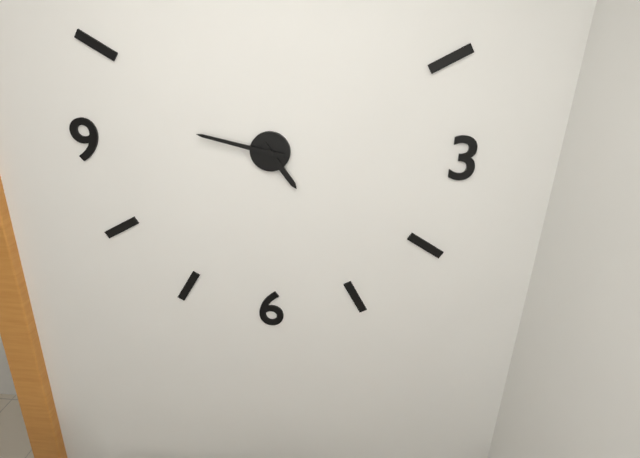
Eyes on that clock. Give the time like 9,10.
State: 4,47
